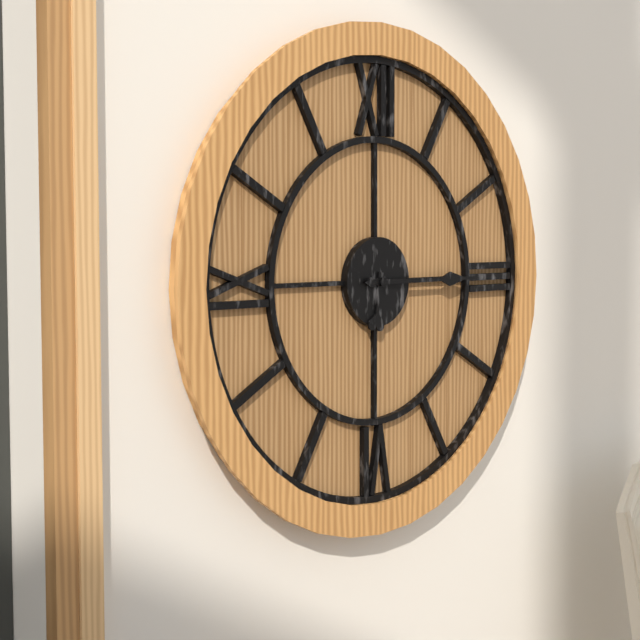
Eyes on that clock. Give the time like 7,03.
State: 6,15
